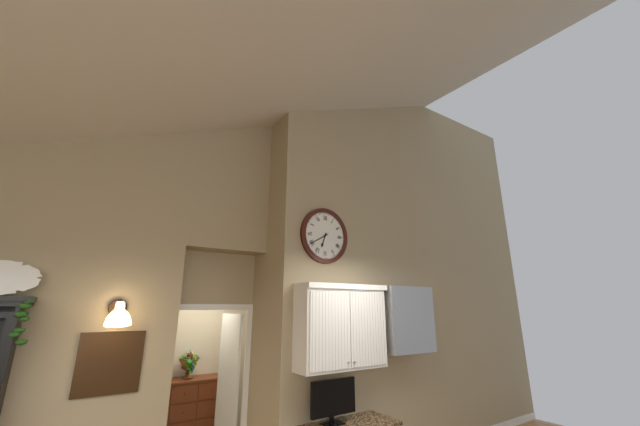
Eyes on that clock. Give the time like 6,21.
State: 6,40
